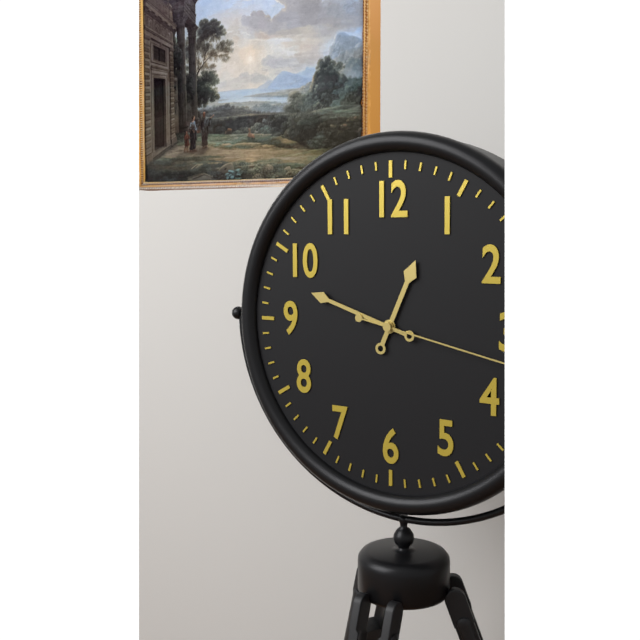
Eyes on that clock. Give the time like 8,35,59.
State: 12,48,17
